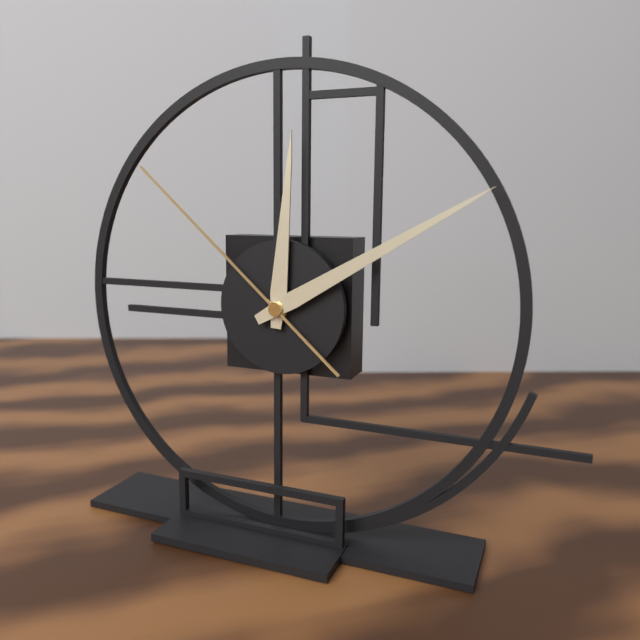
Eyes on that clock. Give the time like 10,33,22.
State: 12,10,52
